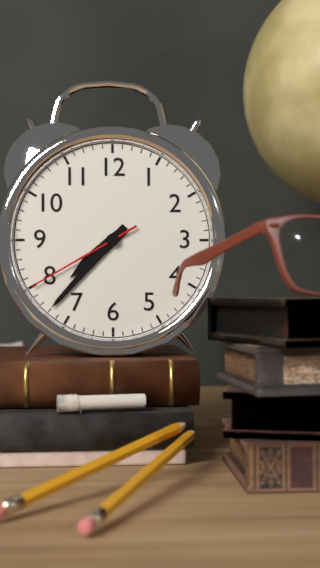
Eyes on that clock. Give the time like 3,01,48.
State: 7,37,40
